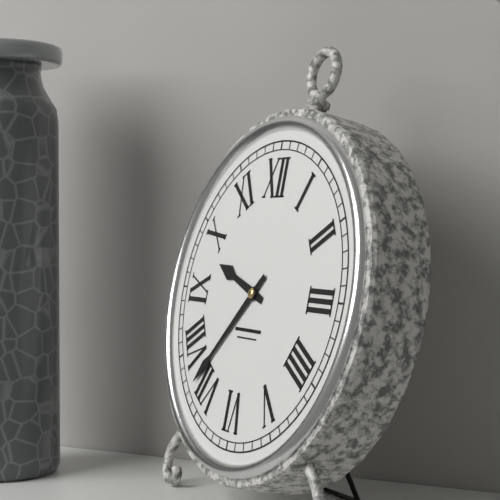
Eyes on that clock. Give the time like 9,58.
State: 9,37
